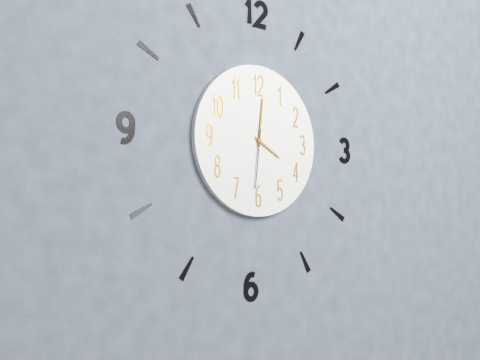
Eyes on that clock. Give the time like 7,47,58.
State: 4,01,31
